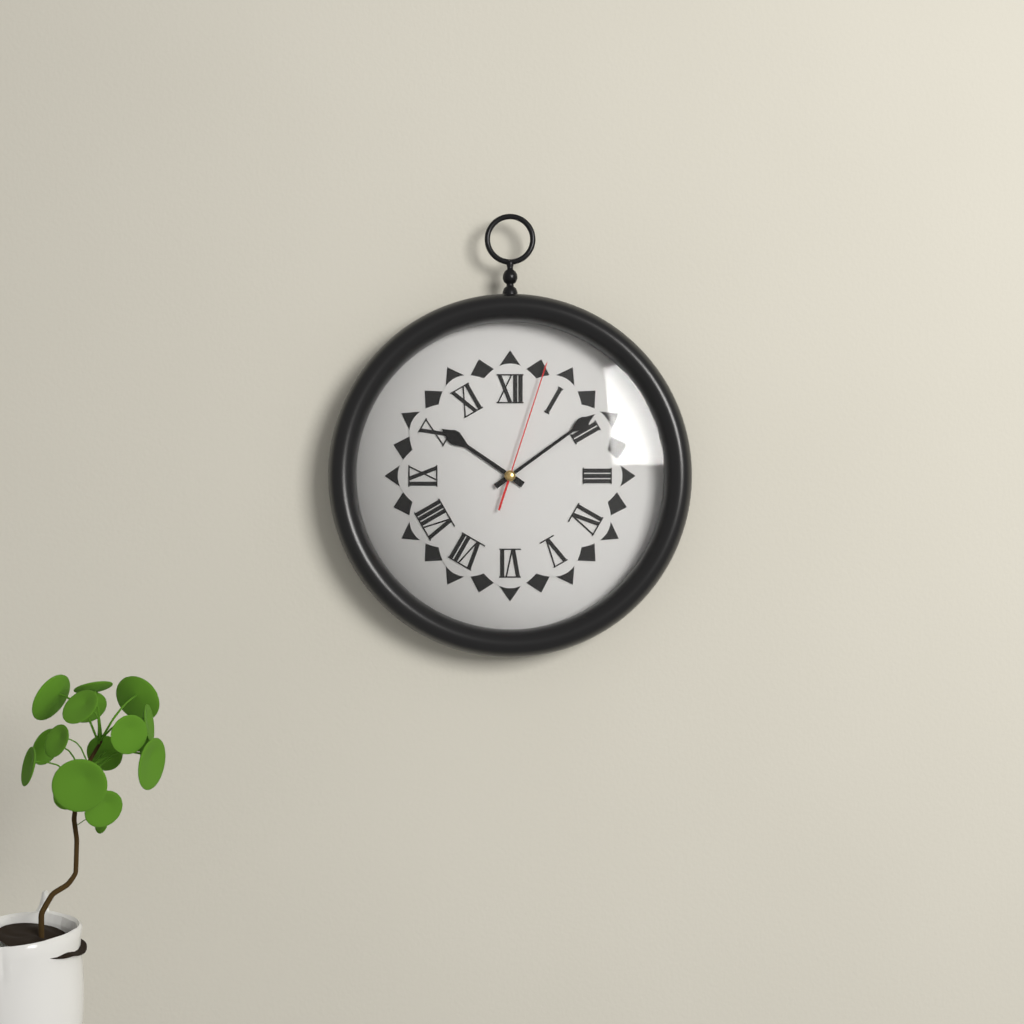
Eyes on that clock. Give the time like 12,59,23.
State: 10,09,03
